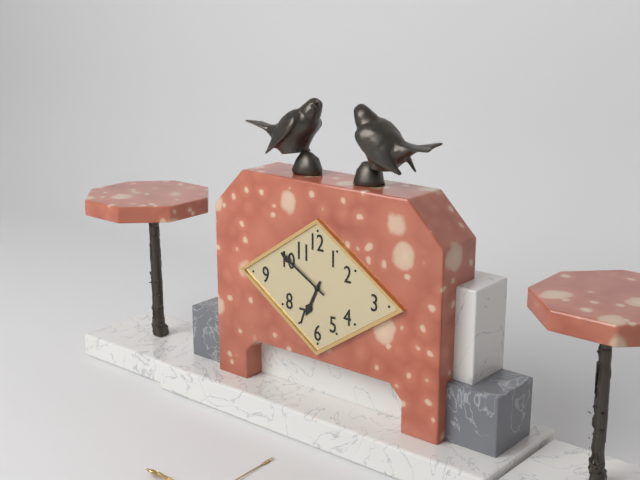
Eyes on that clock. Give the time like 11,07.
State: 6,50
